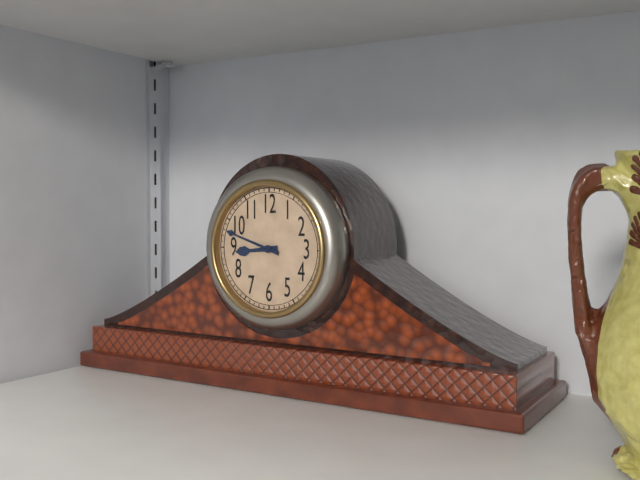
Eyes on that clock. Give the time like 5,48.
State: 8,48
